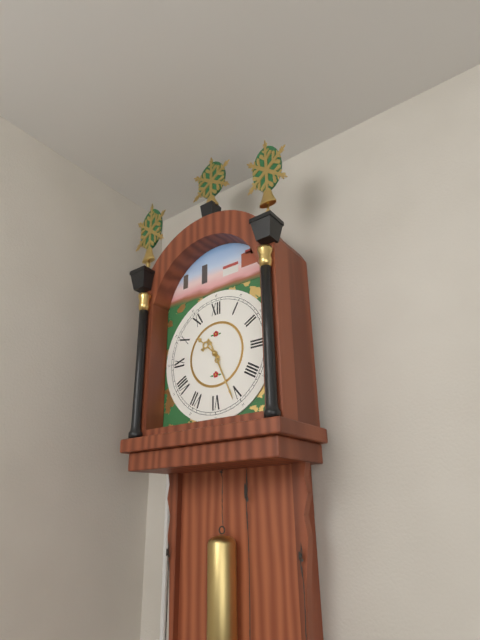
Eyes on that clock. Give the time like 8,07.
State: 10,26
